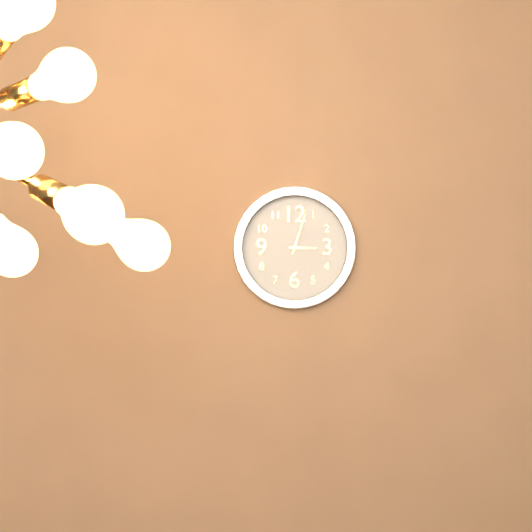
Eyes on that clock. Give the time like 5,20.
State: 3,03
